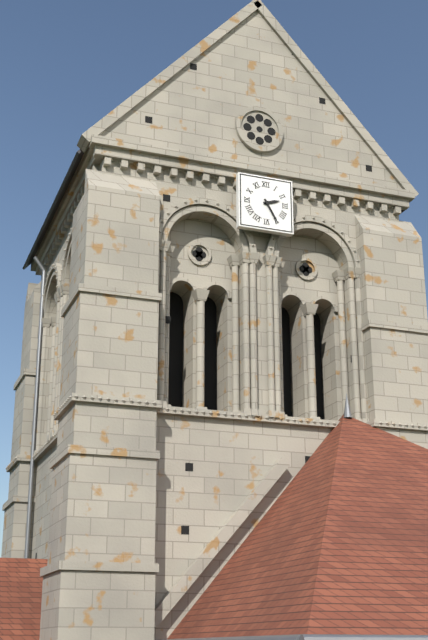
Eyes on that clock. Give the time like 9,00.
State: 2,25
